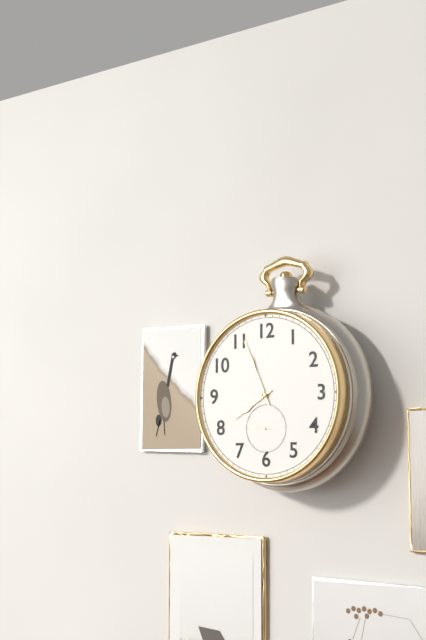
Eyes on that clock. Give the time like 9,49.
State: 7,56
